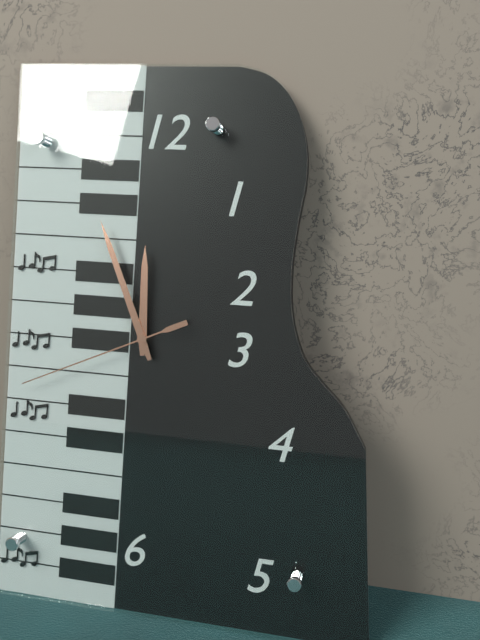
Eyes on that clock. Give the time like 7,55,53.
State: 11,56,41
